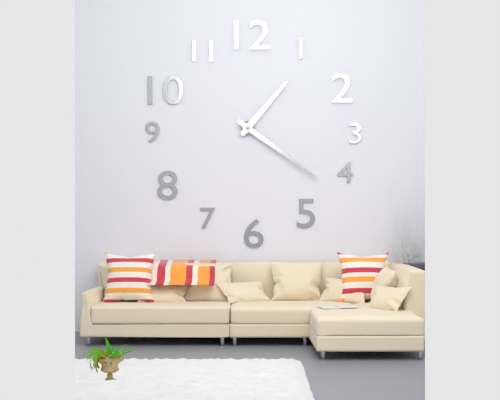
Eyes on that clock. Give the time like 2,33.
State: 1,21
